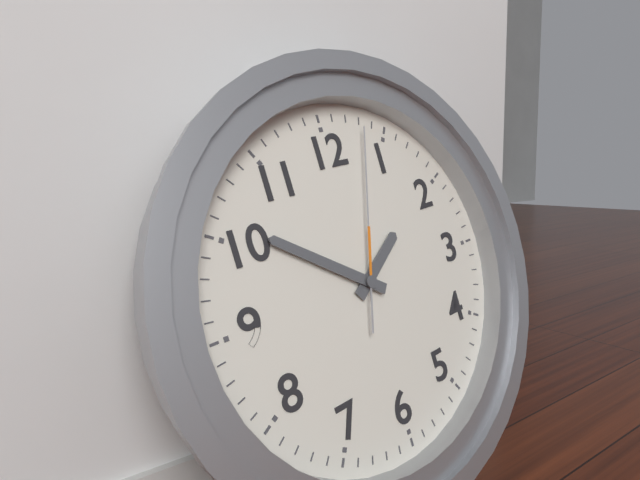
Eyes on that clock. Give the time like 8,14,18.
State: 1,51,03
